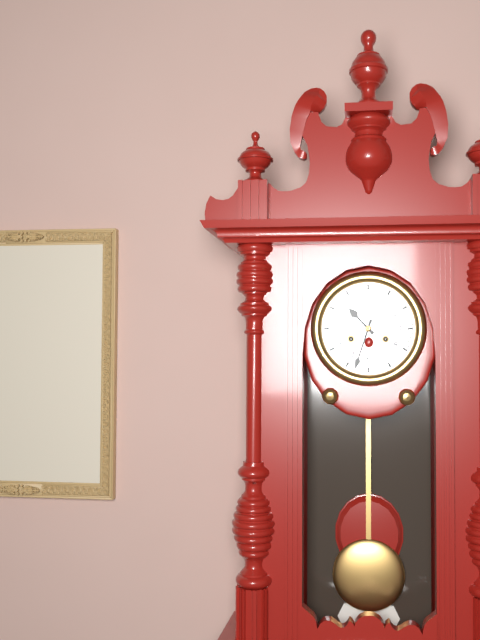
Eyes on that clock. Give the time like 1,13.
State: 10,33
